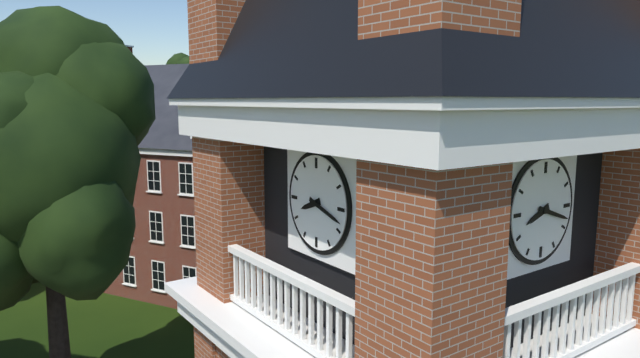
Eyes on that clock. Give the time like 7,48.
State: 8,18
